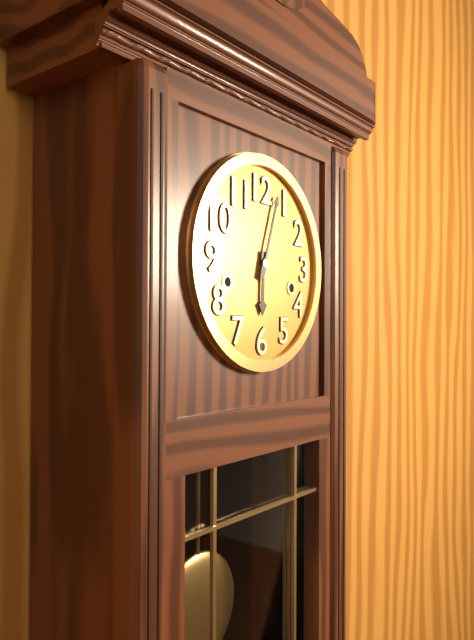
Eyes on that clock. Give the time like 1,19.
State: 6,03
